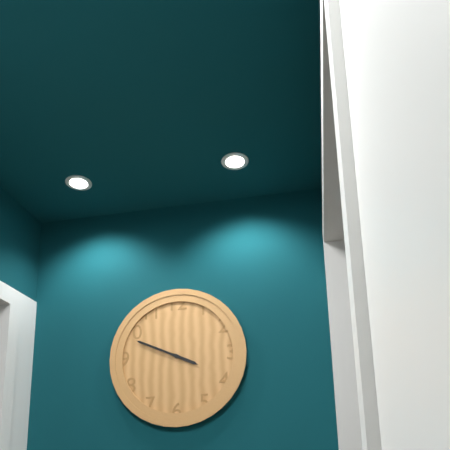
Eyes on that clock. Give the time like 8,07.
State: 3,49
